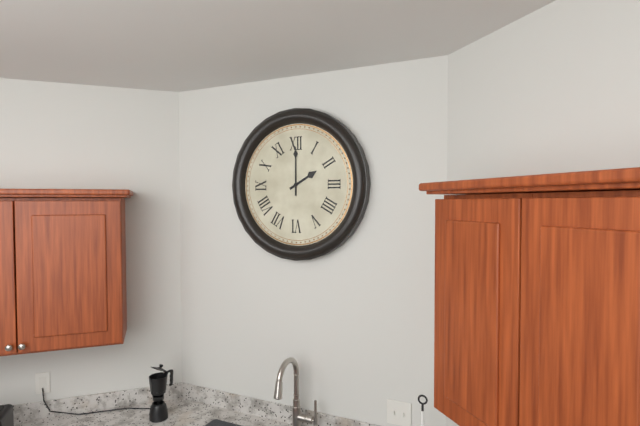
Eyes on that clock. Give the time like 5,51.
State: 2,00
